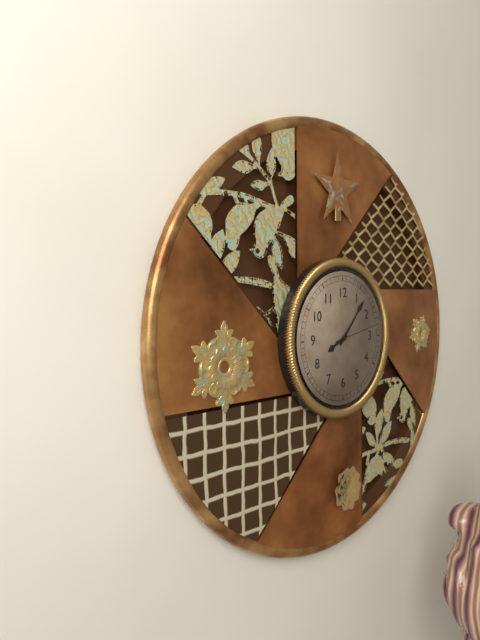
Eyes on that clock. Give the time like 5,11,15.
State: 8,07,13
